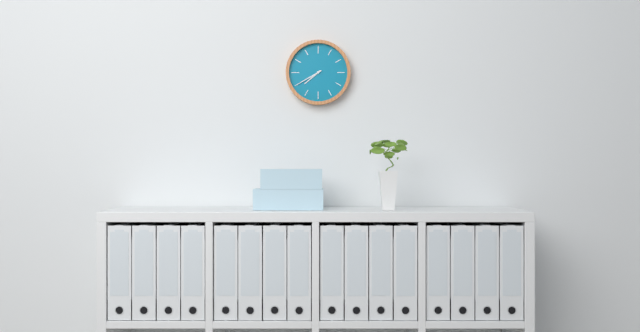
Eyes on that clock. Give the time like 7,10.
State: 7,40
